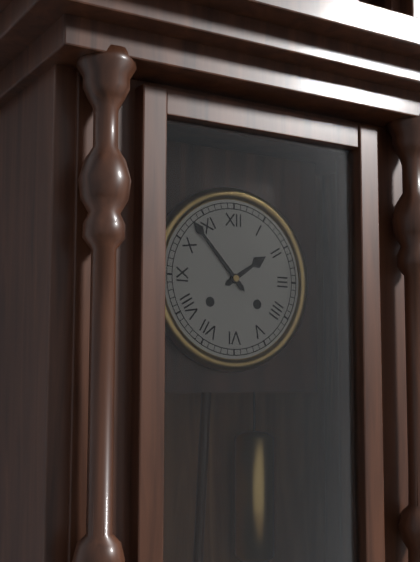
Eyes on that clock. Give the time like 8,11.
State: 1,53
